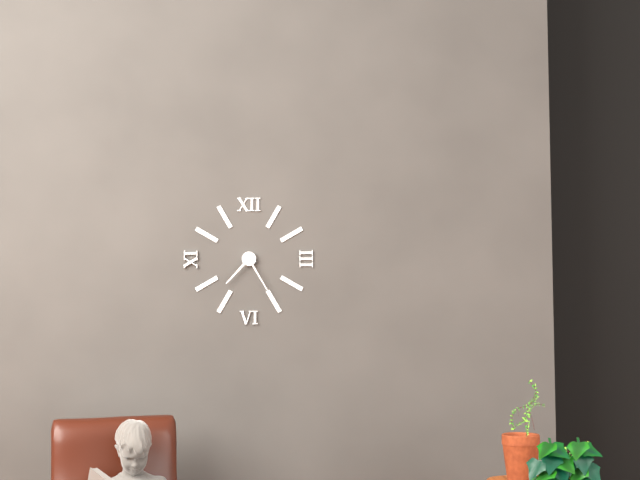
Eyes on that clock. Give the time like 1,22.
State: 7,25
